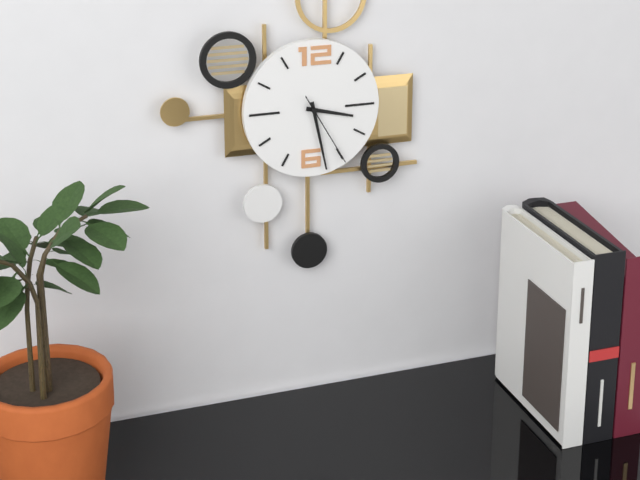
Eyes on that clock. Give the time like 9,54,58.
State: 3,28,25
